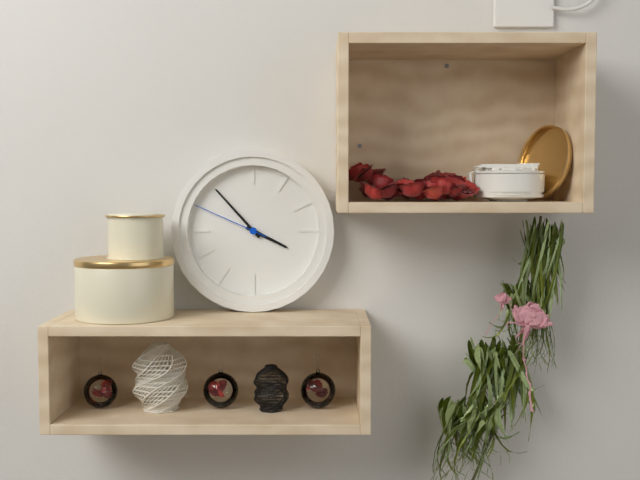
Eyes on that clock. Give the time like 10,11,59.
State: 3,53,49
